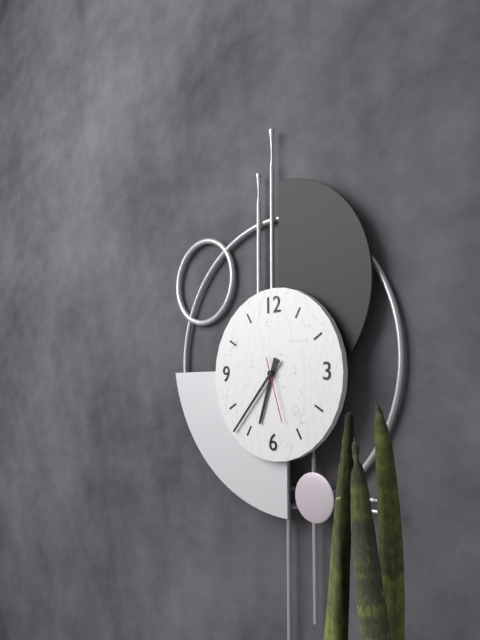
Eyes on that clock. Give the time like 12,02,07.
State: 6,37,27
